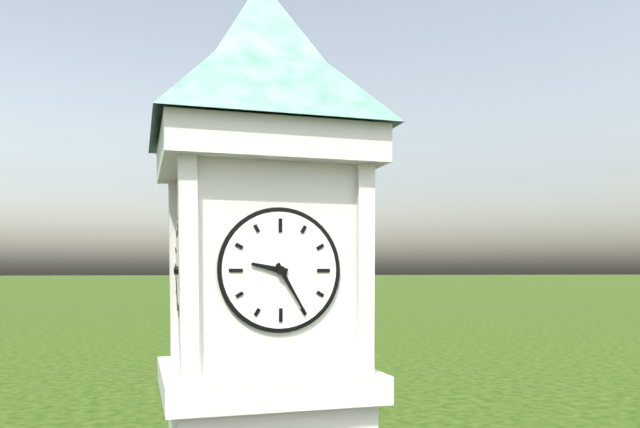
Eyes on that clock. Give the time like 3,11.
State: 9,25
